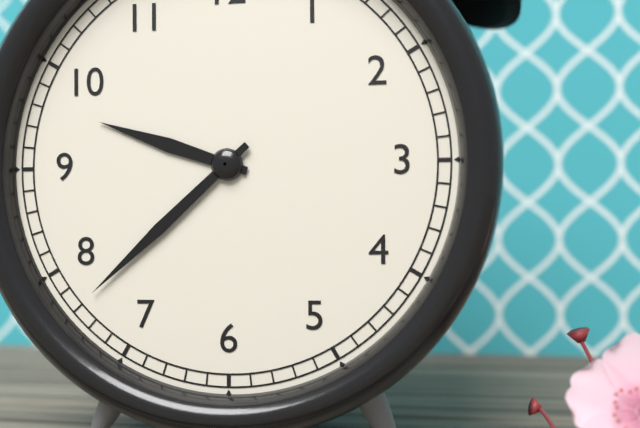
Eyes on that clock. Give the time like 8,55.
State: 9,38
